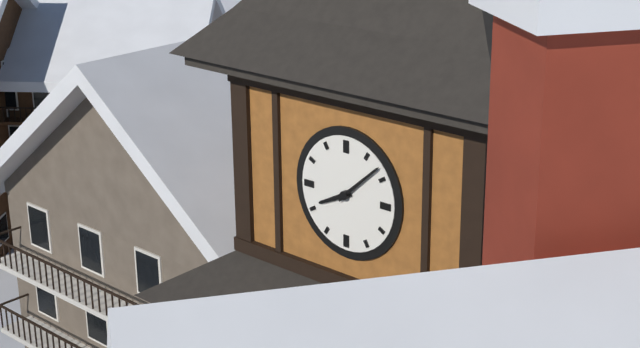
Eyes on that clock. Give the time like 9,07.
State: 8,08
